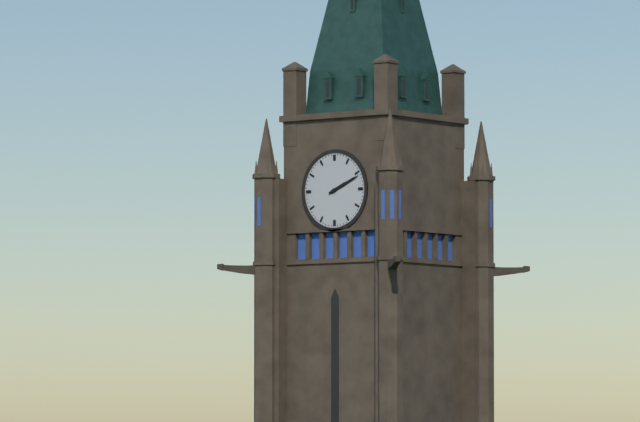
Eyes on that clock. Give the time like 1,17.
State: 2,11
